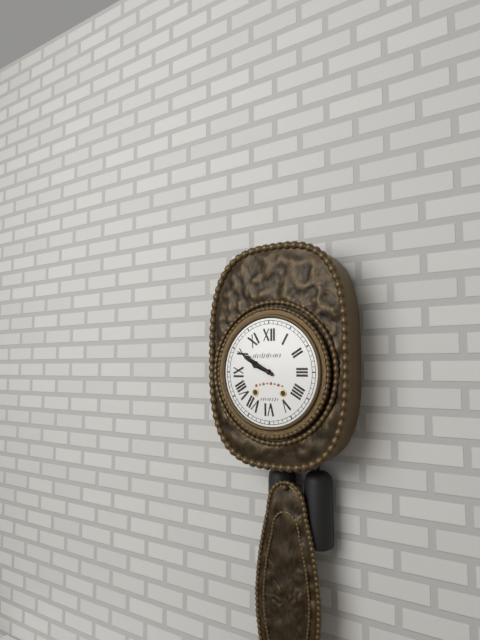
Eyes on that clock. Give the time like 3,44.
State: 9,50
